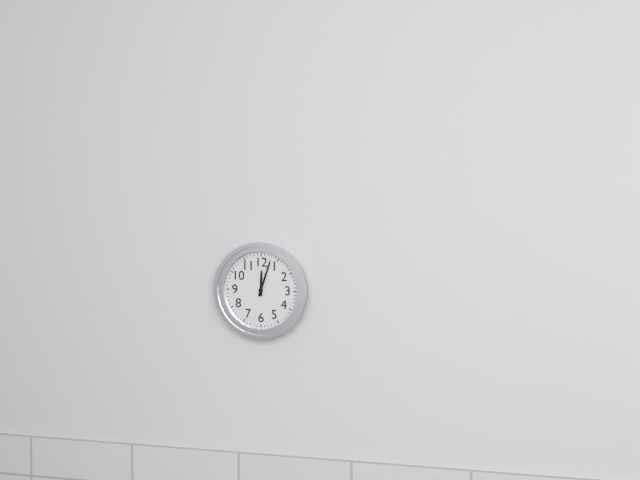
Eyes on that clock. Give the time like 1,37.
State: 12,03
